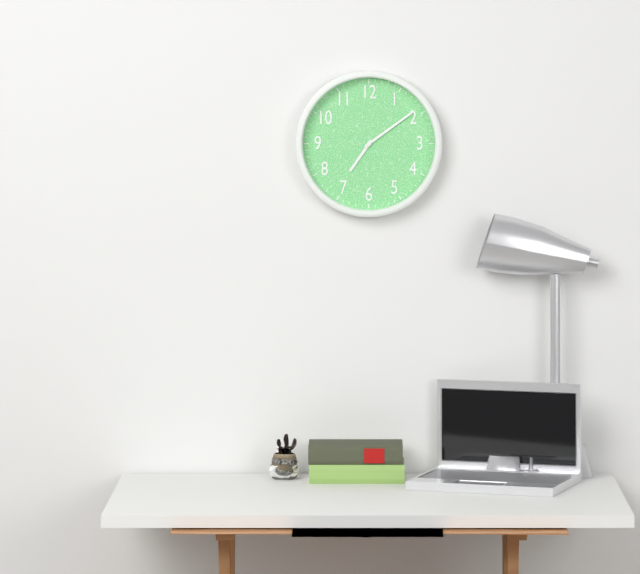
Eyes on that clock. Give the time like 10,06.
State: 7,09
